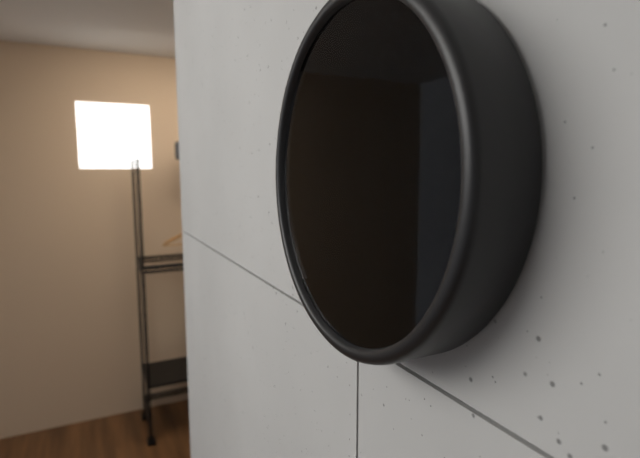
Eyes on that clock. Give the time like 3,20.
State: 4,15
